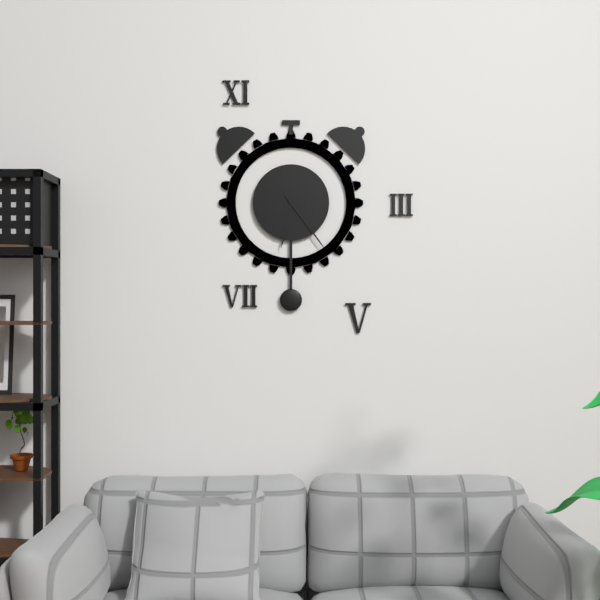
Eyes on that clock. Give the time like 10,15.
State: 6,24
